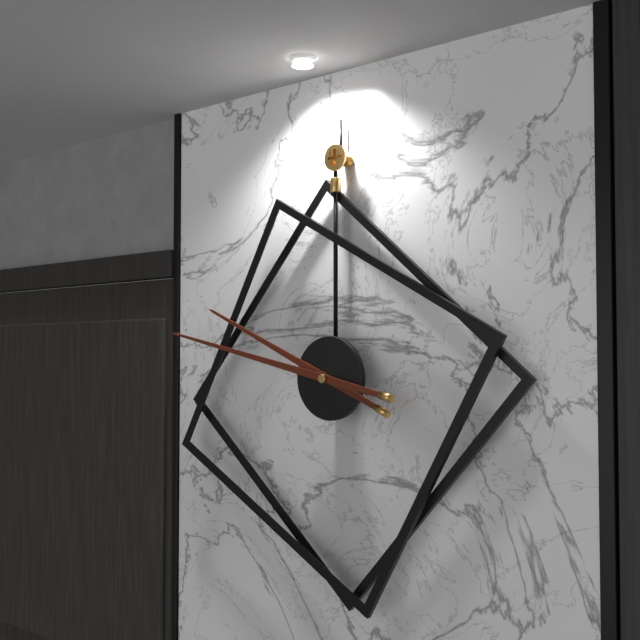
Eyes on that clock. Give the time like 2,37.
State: 9,47
